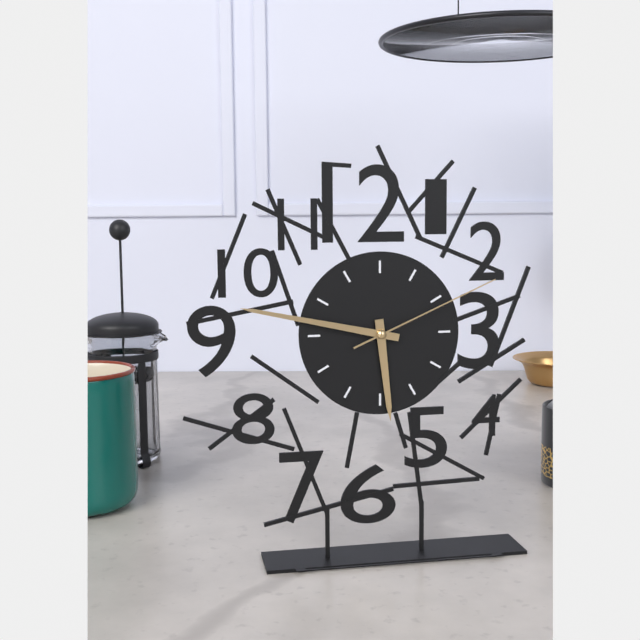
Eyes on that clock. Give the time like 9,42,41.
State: 5,47,11
